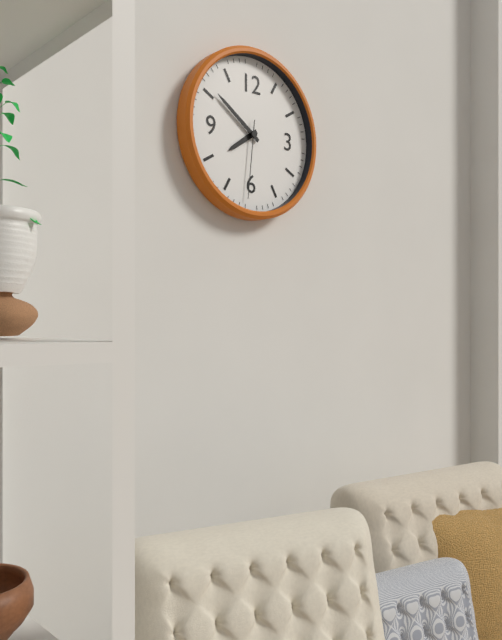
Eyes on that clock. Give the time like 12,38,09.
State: 7,51,31
